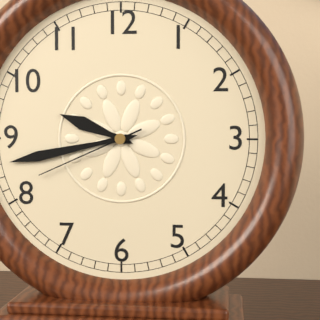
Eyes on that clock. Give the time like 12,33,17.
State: 9,43,41
